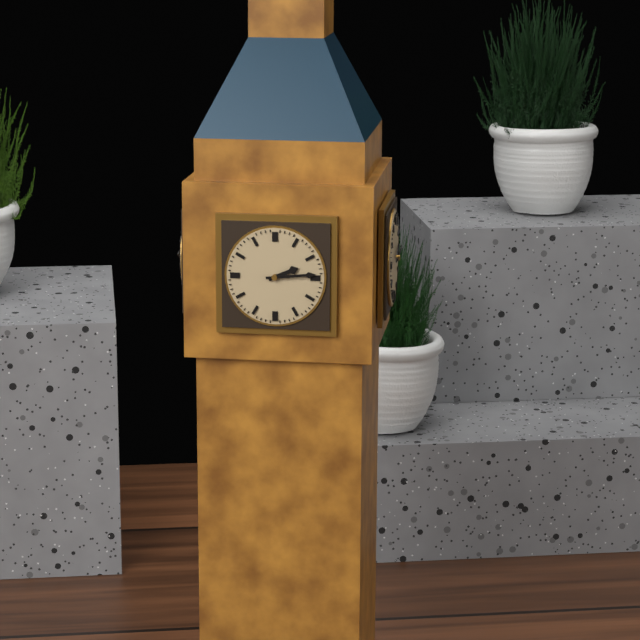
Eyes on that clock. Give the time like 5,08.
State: 2,14
